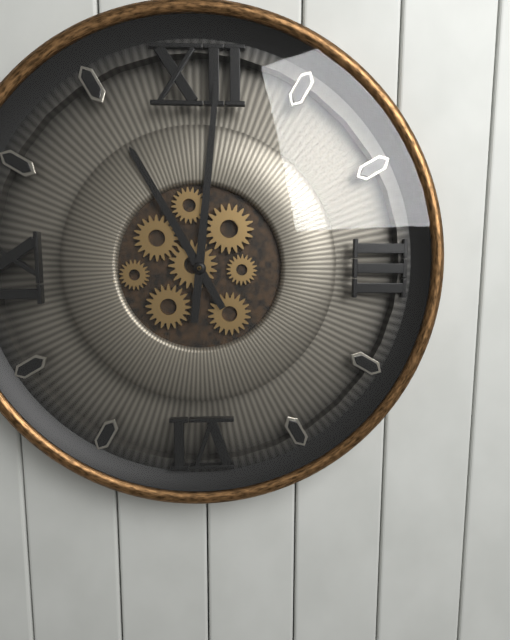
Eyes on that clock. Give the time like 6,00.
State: 11,01
